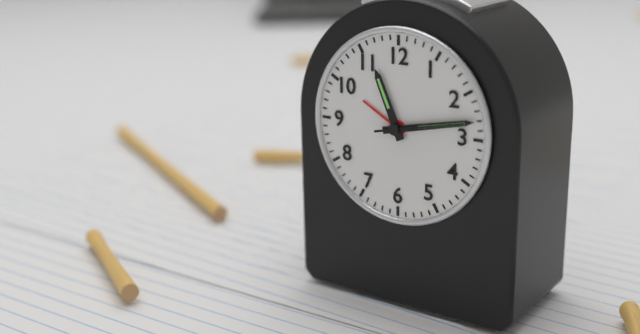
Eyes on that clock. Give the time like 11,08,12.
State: 11,13,13
